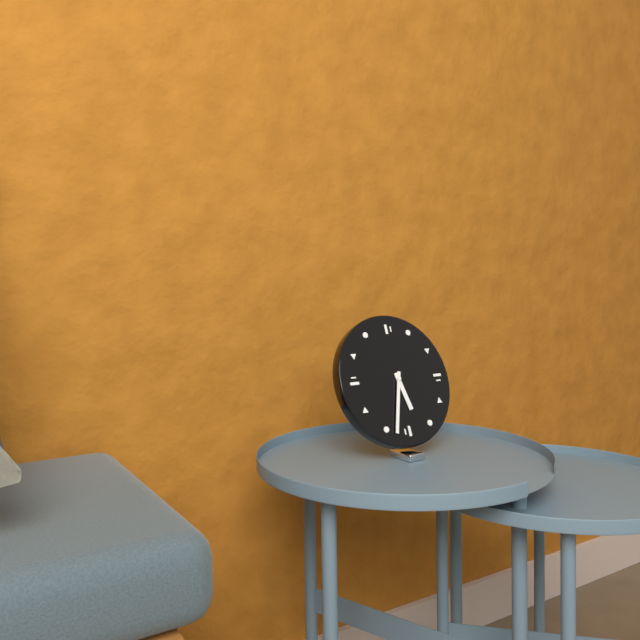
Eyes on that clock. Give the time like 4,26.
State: 5,33
